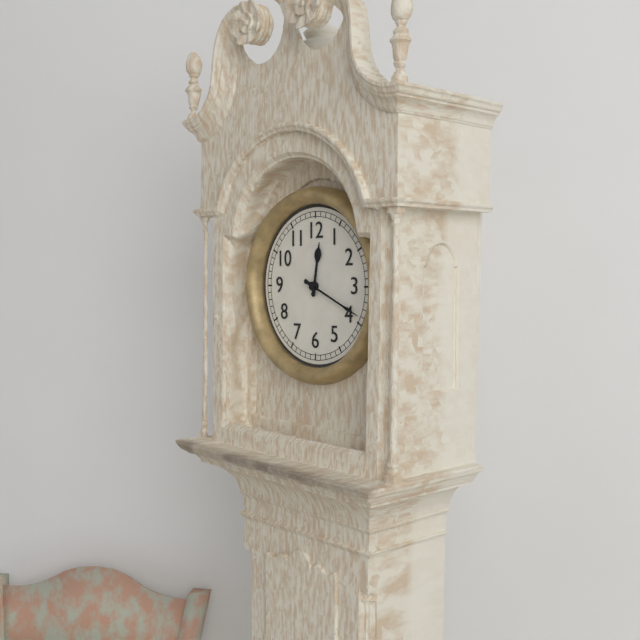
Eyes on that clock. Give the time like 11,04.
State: 12,19
